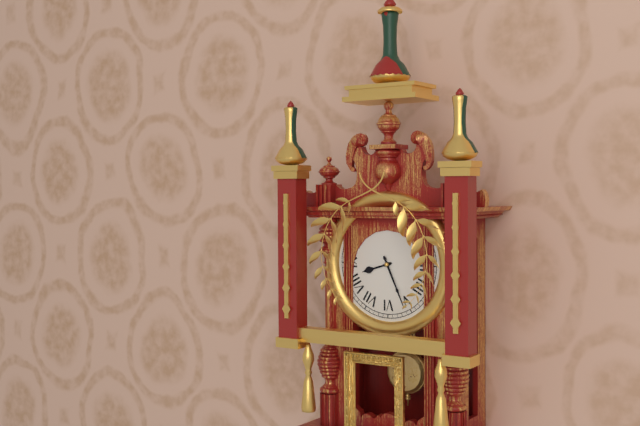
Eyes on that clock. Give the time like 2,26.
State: 8,26
